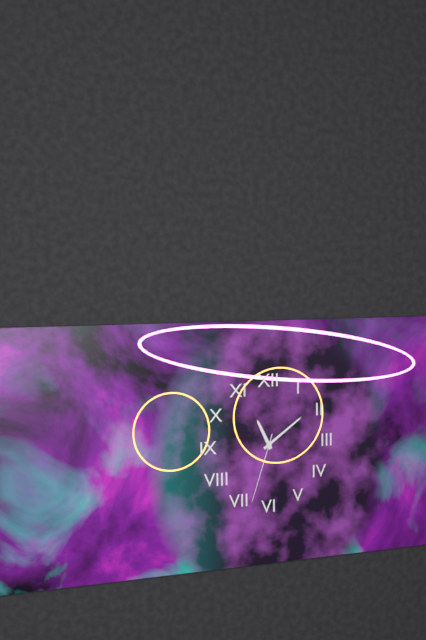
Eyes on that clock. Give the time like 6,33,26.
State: 11,09,33
